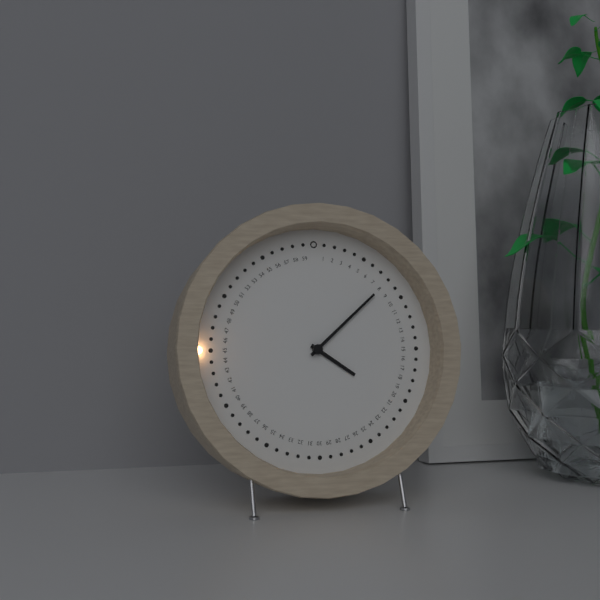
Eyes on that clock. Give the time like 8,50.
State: 4,08
